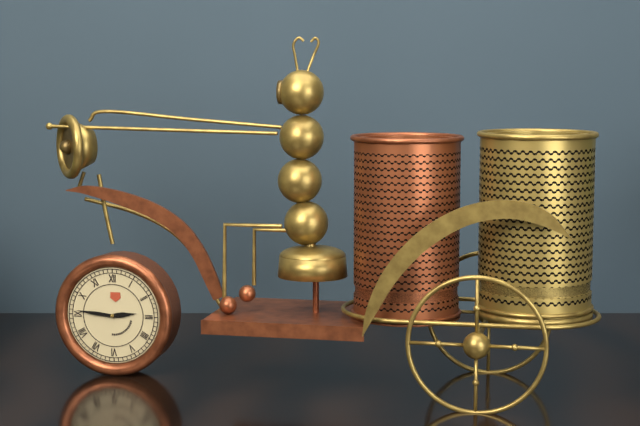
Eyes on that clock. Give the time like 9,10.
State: 2,46
